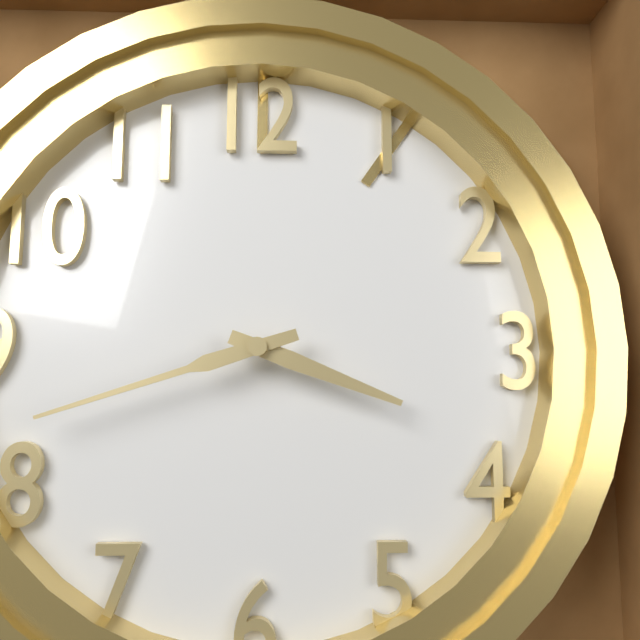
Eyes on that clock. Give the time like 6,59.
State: 3,42
